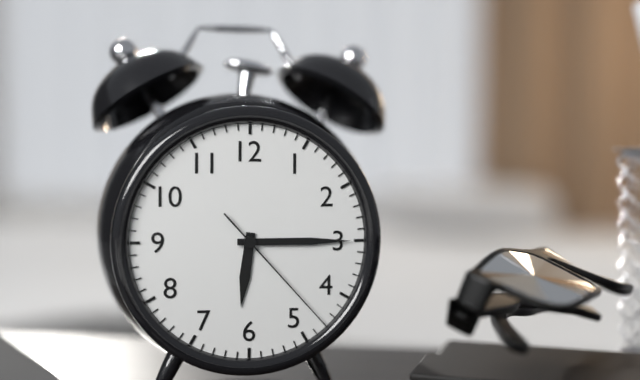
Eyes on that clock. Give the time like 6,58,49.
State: 6,15,23
